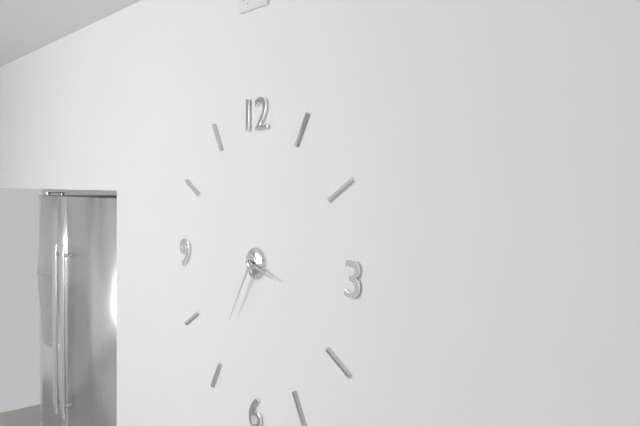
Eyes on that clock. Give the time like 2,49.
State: 3,35
